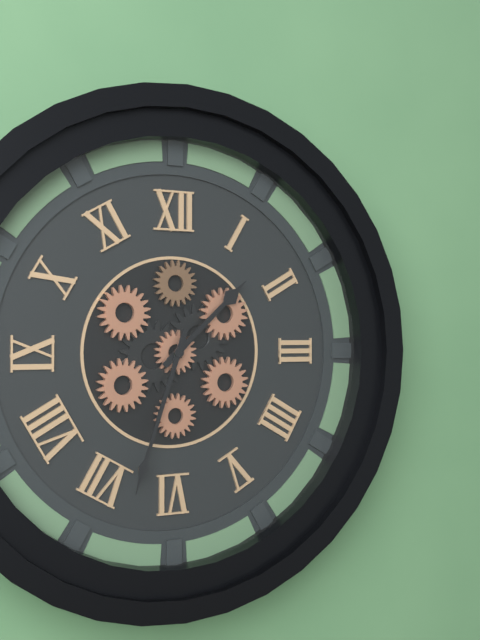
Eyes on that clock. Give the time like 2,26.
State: 1,33
